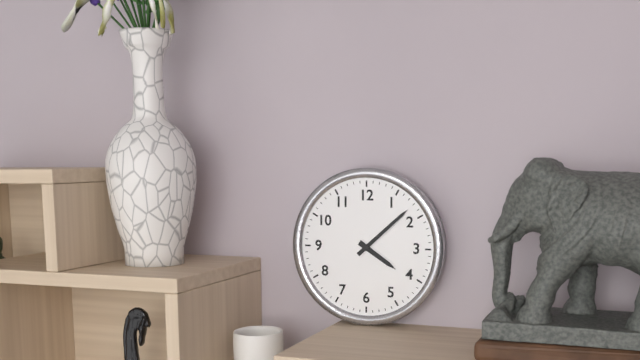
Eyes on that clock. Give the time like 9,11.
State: 4,08
